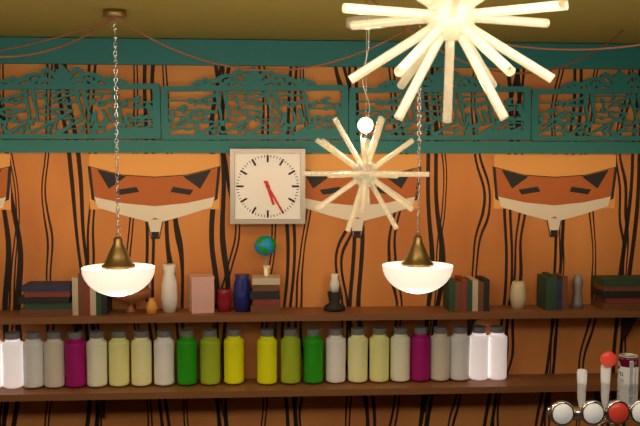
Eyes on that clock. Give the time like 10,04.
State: 5,25
